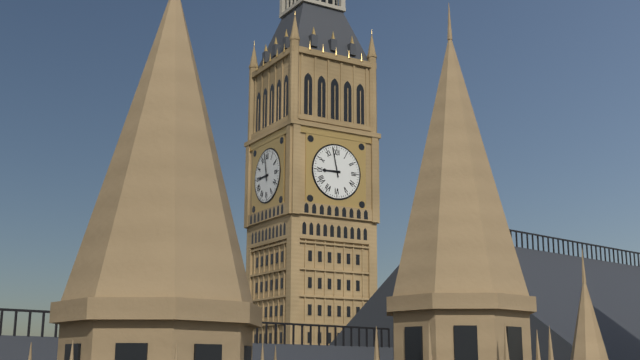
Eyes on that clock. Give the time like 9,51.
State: 8,58
